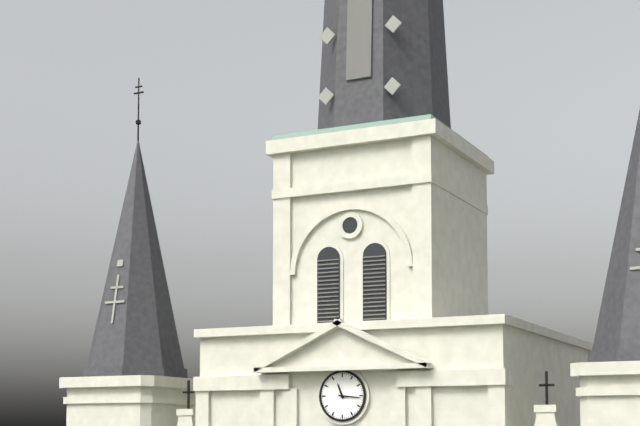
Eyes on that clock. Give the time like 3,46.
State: 11,16
